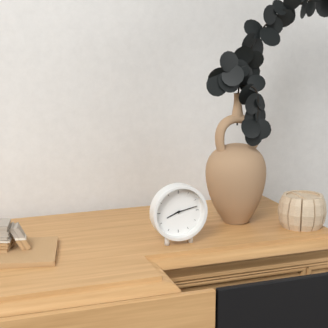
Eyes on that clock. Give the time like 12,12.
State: 8,13
